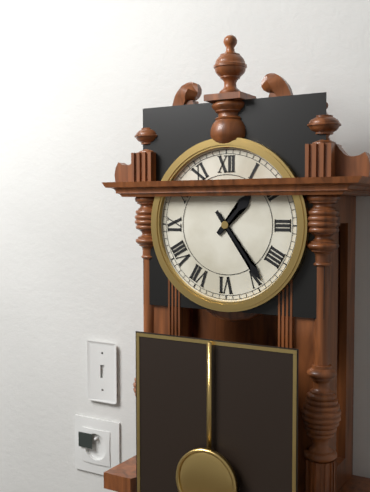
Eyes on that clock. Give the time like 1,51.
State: 1,24
